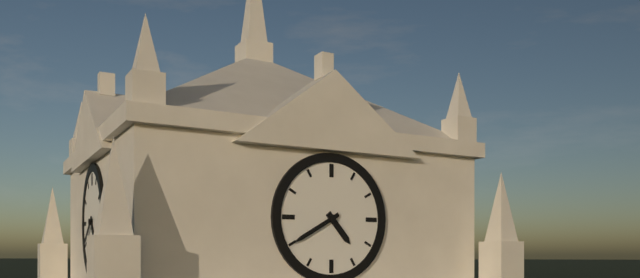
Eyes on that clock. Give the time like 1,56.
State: 4,40
